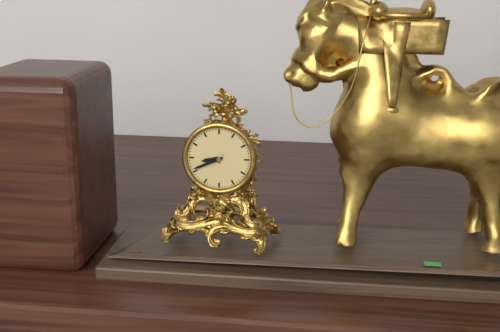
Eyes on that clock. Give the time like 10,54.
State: 8,41
